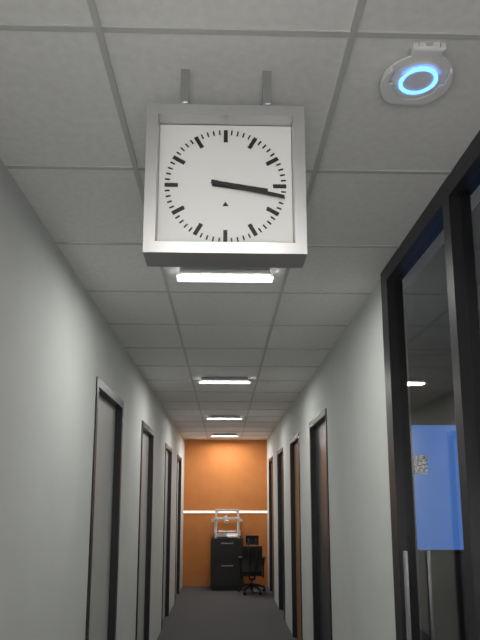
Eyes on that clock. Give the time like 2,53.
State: 3,17
